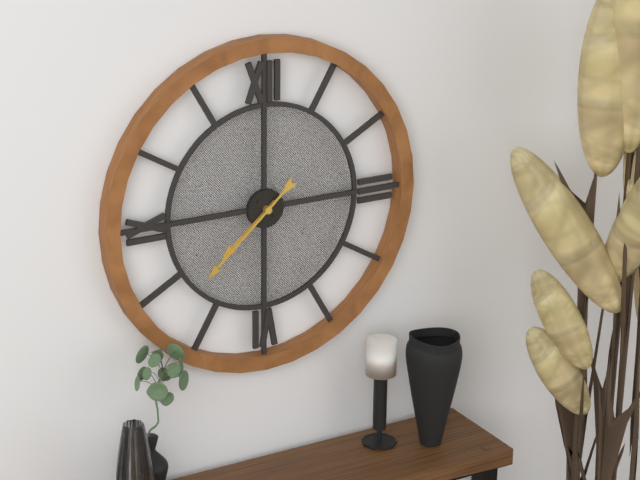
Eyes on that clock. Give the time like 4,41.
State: 7,38
